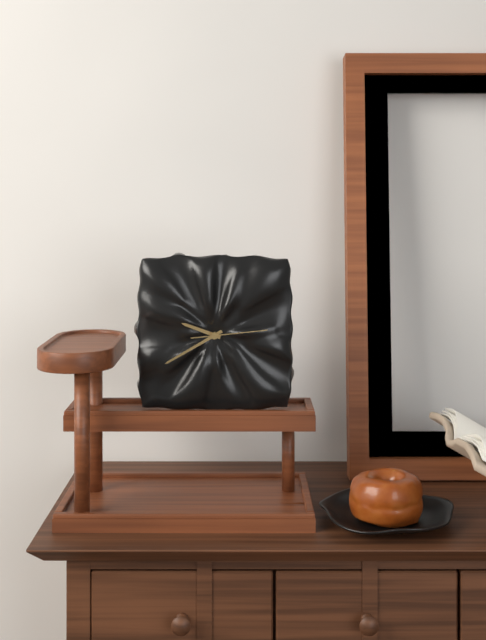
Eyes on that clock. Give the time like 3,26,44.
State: 9,40,14
